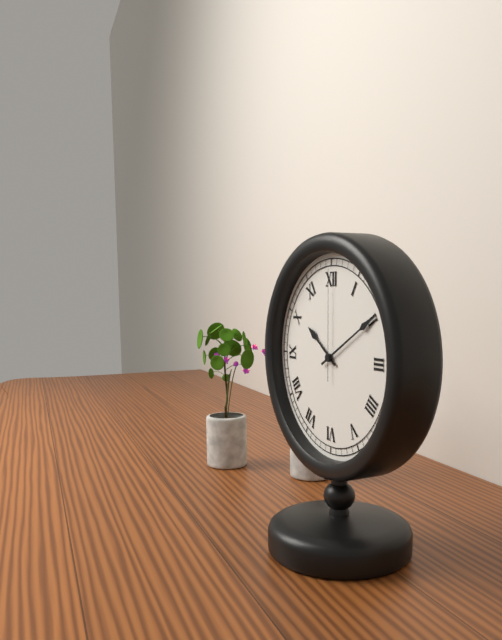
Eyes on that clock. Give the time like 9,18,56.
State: 10,10,00
